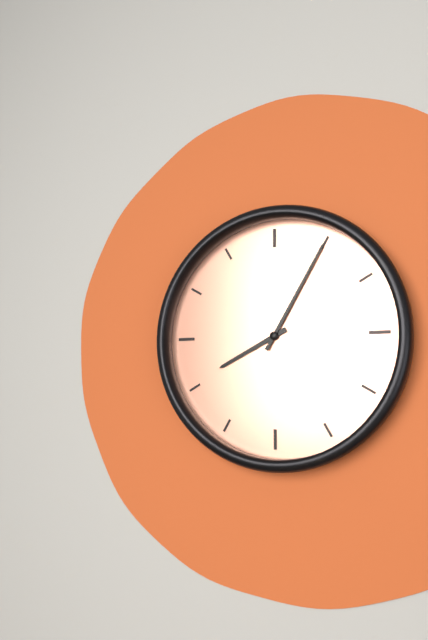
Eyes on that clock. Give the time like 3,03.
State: 8,05
